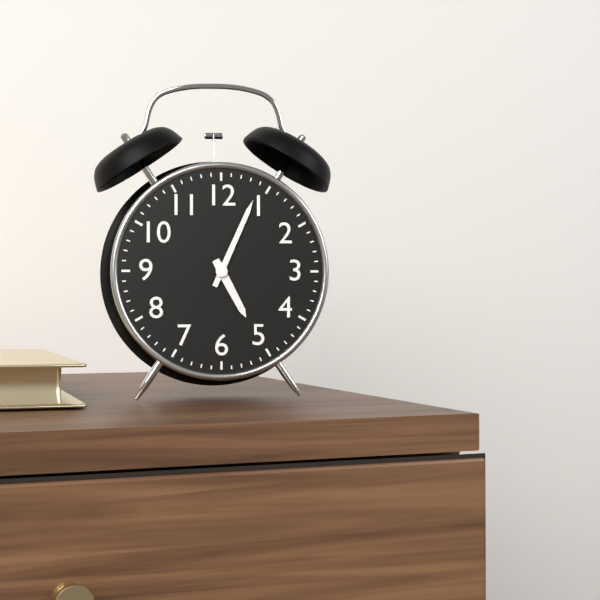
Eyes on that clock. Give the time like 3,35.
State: 5,04
